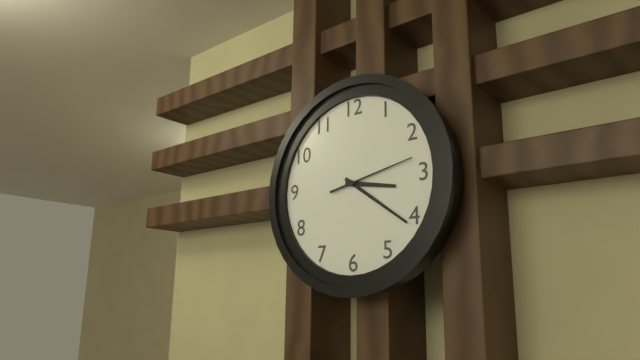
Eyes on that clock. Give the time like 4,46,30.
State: 3,21,13
